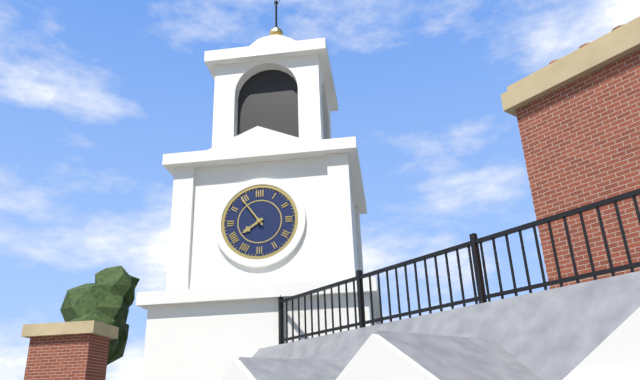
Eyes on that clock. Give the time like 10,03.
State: 7,54
